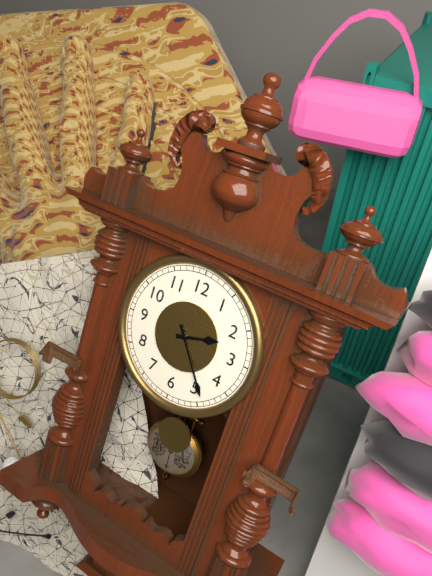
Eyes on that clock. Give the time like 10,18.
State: 2,24
